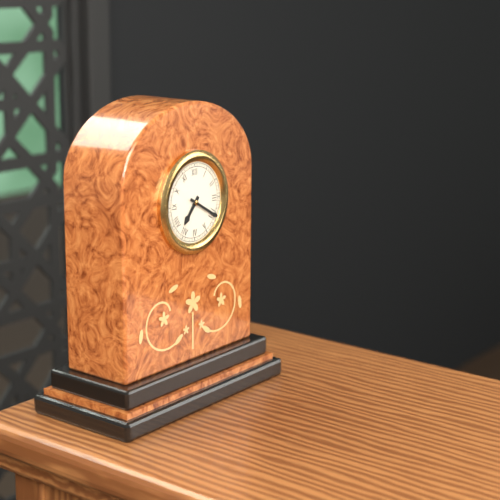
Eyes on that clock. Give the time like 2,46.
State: 7,20
